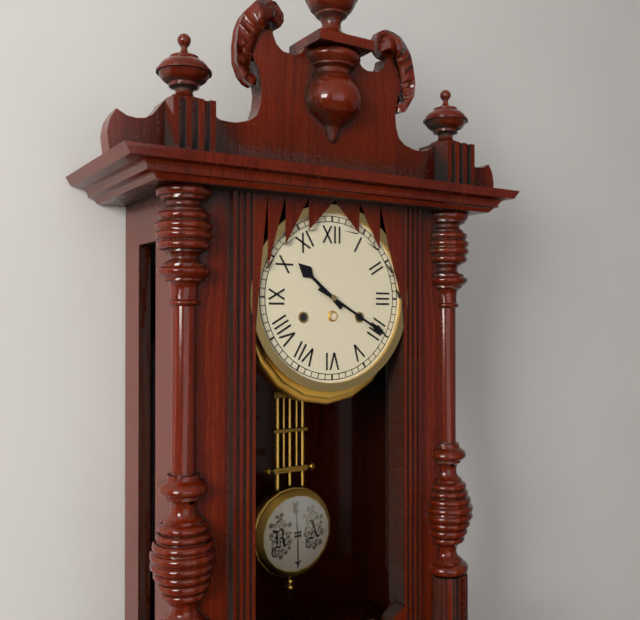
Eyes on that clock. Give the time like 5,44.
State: 10,20
